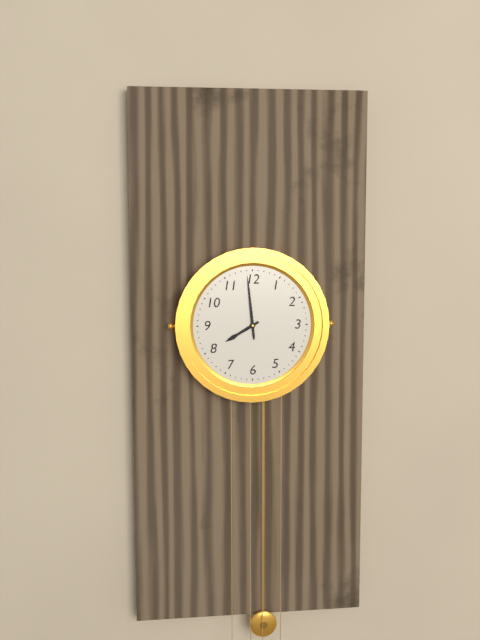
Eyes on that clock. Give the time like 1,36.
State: 7,59
